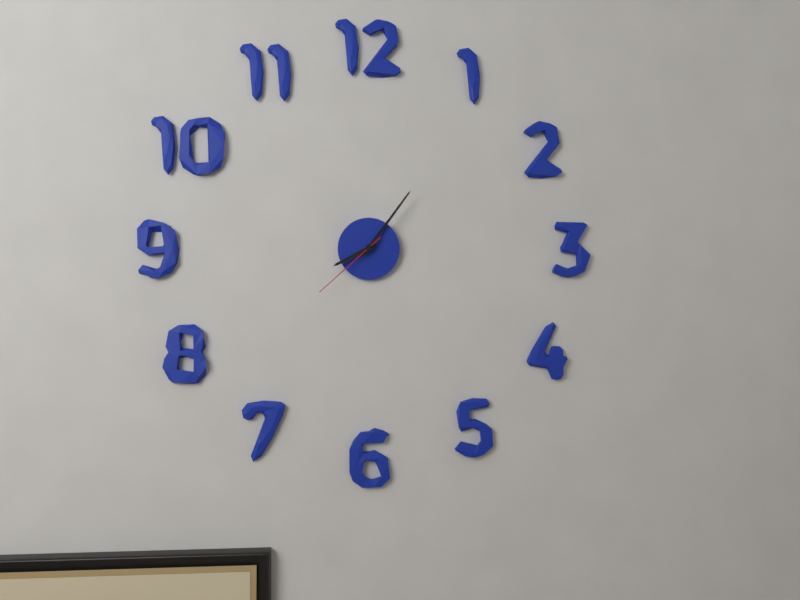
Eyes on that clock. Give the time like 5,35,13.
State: 8,06,38
